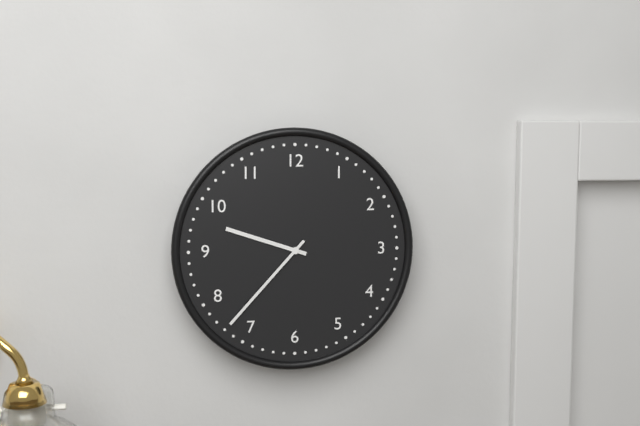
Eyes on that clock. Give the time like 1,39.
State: 9,37
